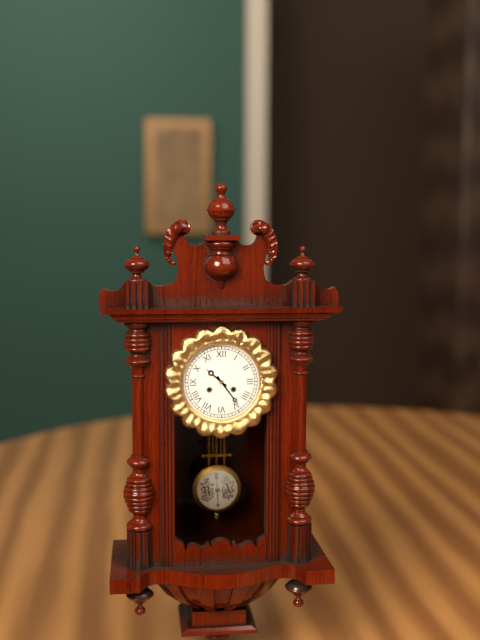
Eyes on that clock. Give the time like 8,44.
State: 10,24
